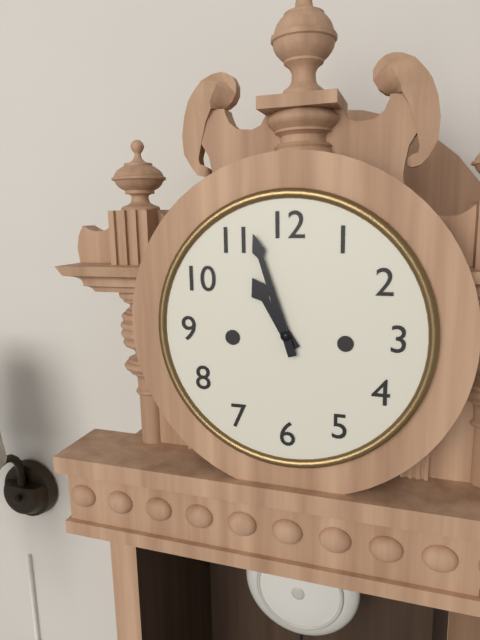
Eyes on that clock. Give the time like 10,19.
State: 10,57
